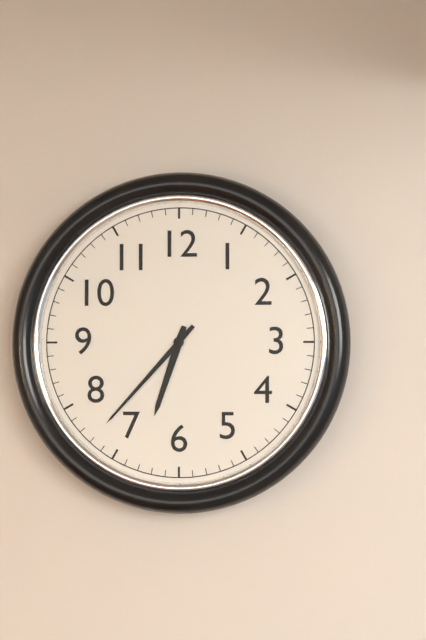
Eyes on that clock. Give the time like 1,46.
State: 6,37
